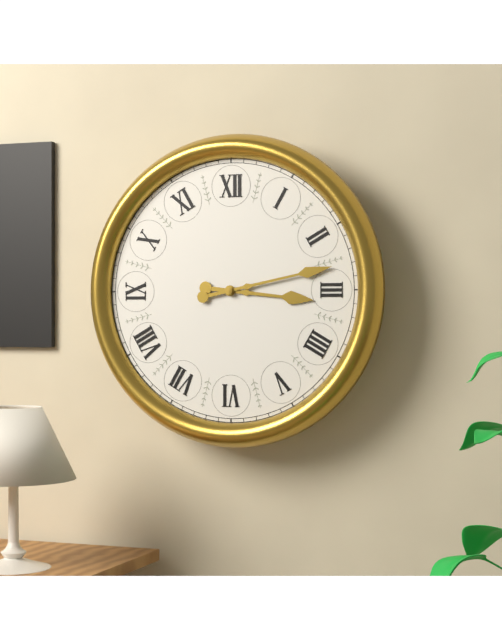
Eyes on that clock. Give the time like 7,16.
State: 3,13
